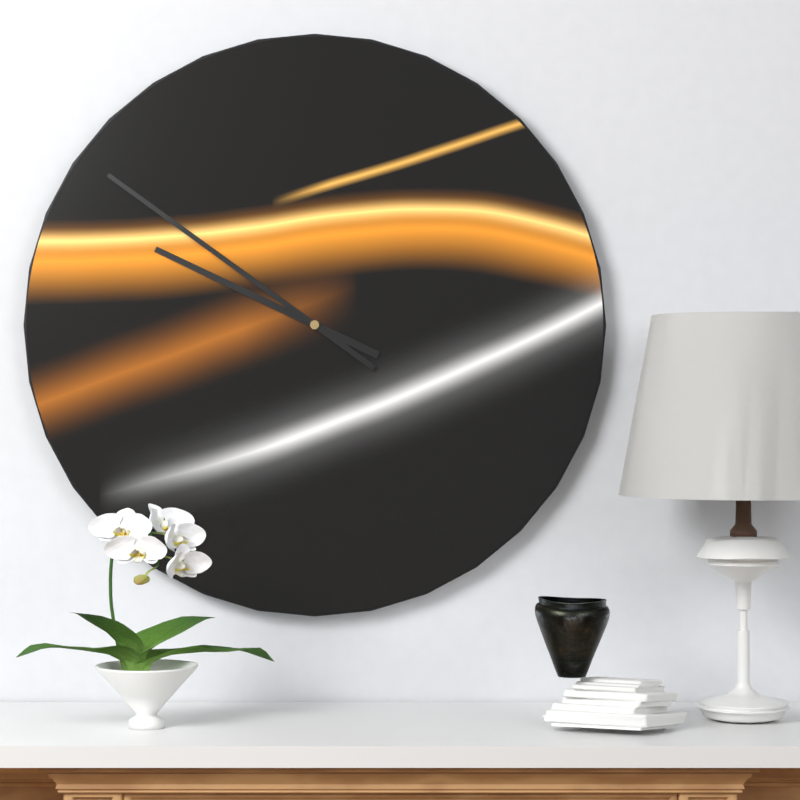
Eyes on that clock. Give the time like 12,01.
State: 9,51
